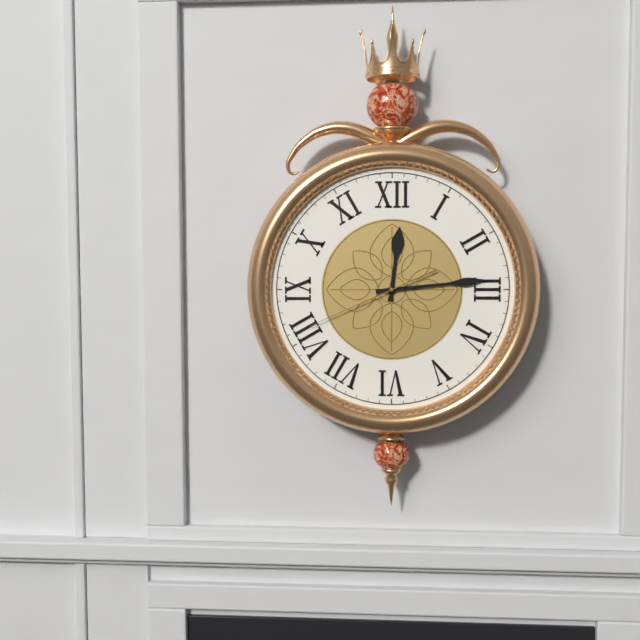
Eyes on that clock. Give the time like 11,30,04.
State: 12,14,41
